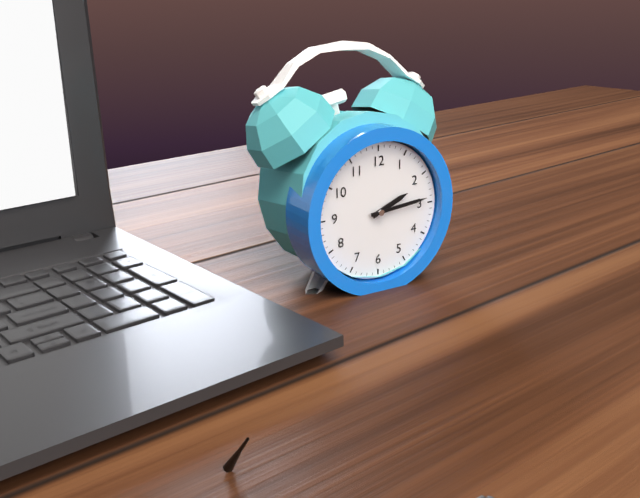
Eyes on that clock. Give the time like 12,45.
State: 2,14
